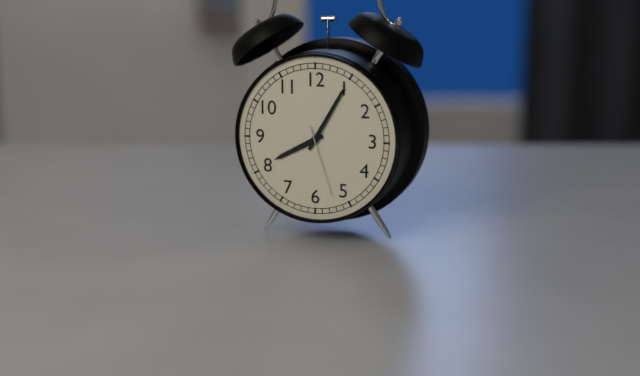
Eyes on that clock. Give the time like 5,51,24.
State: 8,05,27
